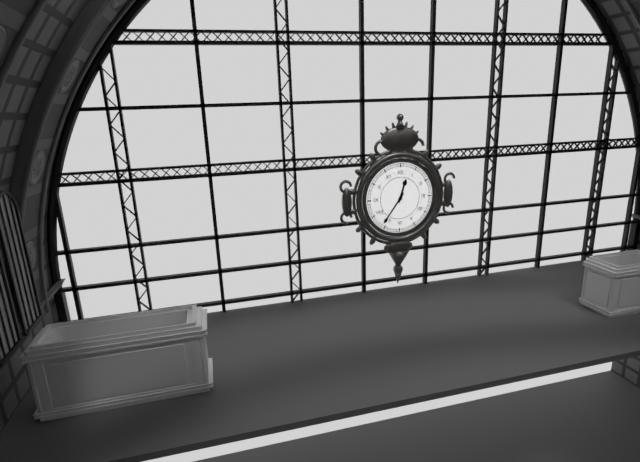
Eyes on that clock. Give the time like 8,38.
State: 12,36
